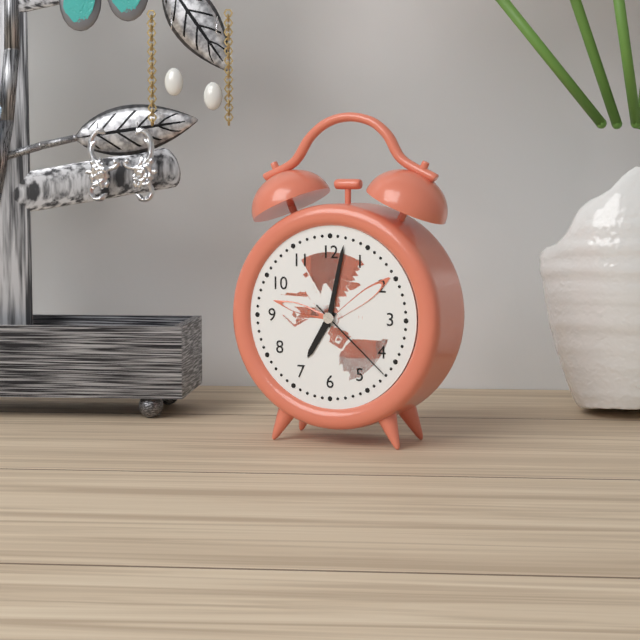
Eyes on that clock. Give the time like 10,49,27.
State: 7,02,22
